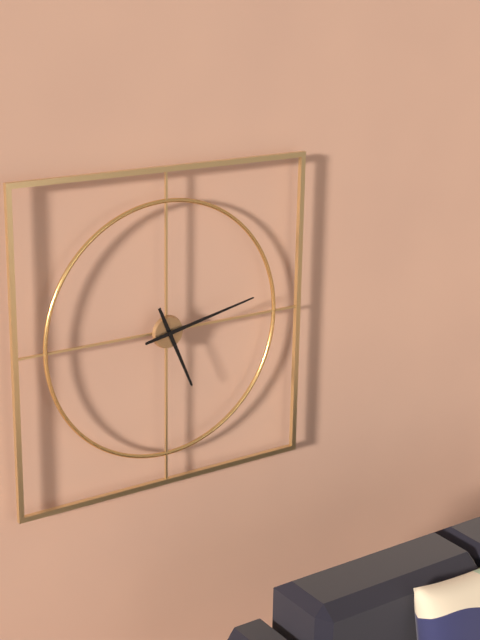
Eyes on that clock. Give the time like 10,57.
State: 5,13
